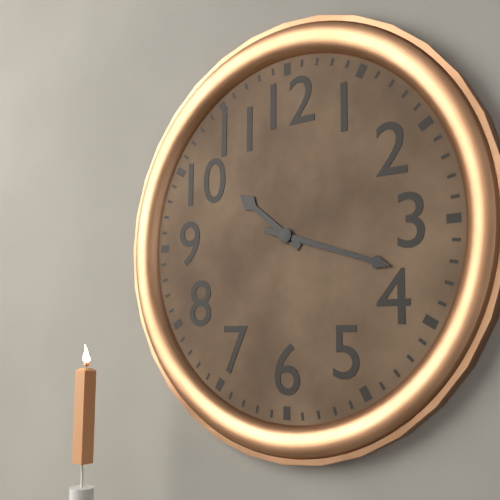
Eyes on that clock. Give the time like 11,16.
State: 10,18
